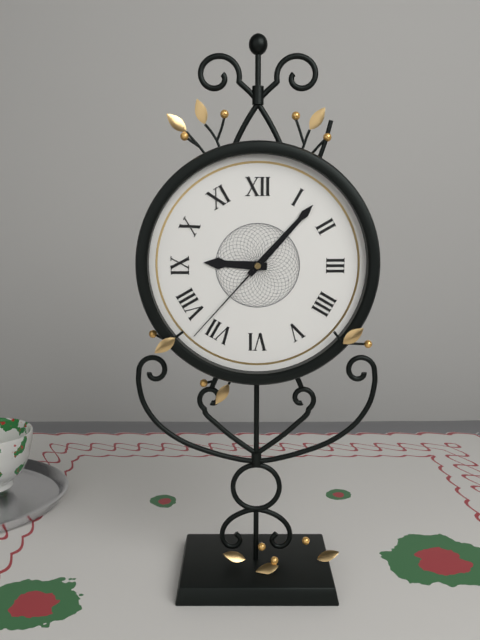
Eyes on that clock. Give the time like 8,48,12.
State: 9,07,37
